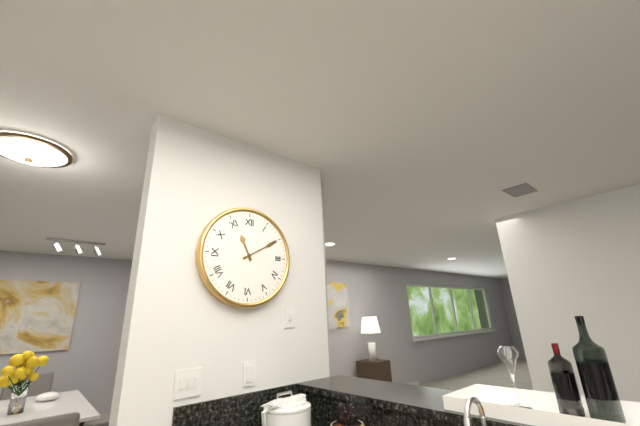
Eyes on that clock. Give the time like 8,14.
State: 11,10
